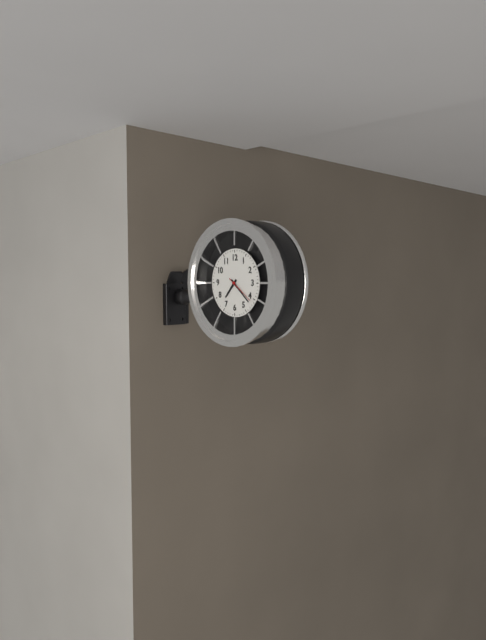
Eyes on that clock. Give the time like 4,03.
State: 7,22
